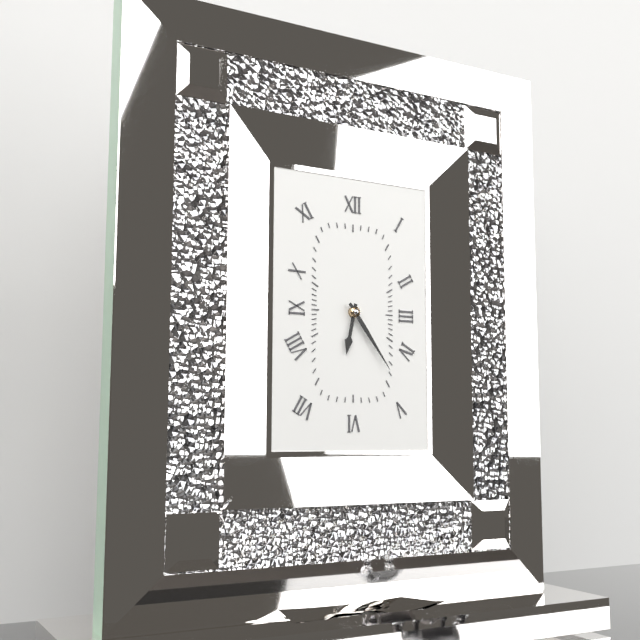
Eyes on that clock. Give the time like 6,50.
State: 6,24
